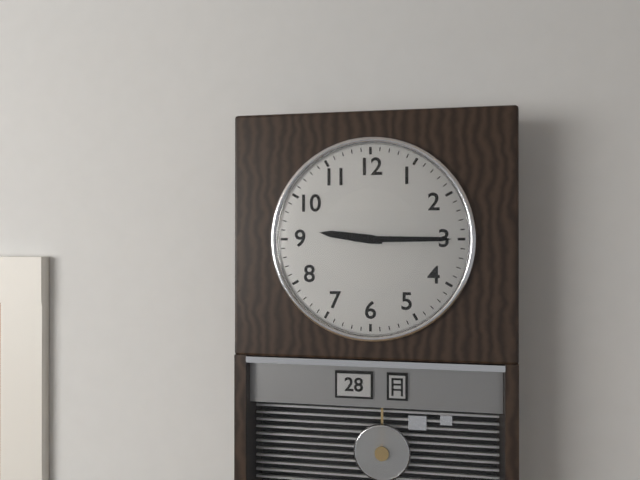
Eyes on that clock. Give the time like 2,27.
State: 9,15
